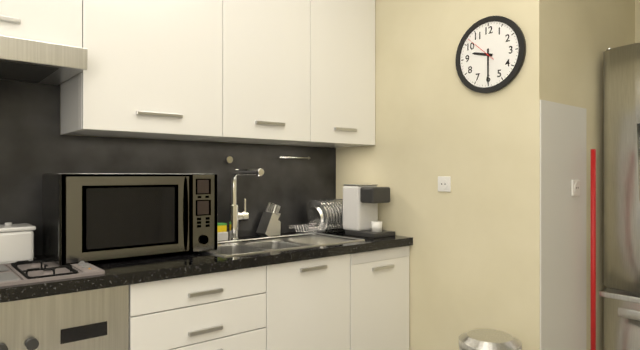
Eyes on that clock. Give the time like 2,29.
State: 9,30
